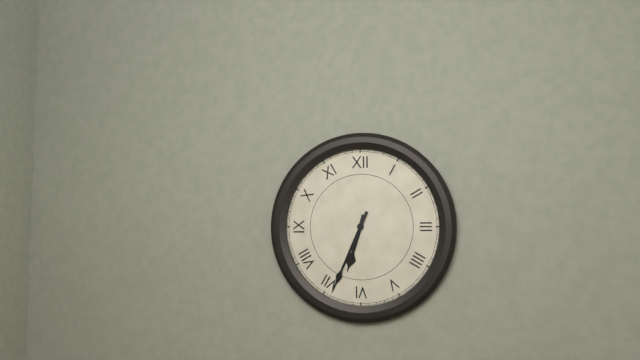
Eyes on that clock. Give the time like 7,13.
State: 6,34
